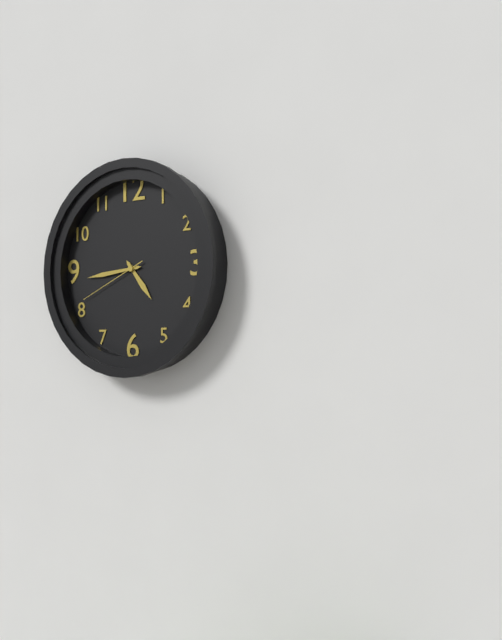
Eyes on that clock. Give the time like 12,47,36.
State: 4,44,41
